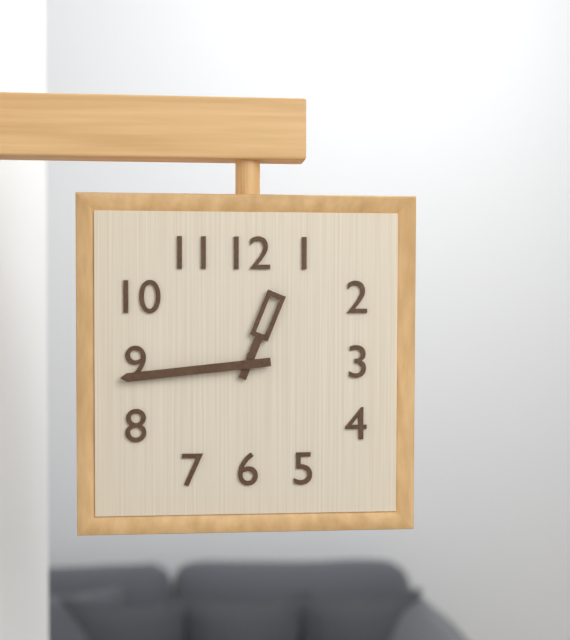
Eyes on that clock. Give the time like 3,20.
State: 12,44
